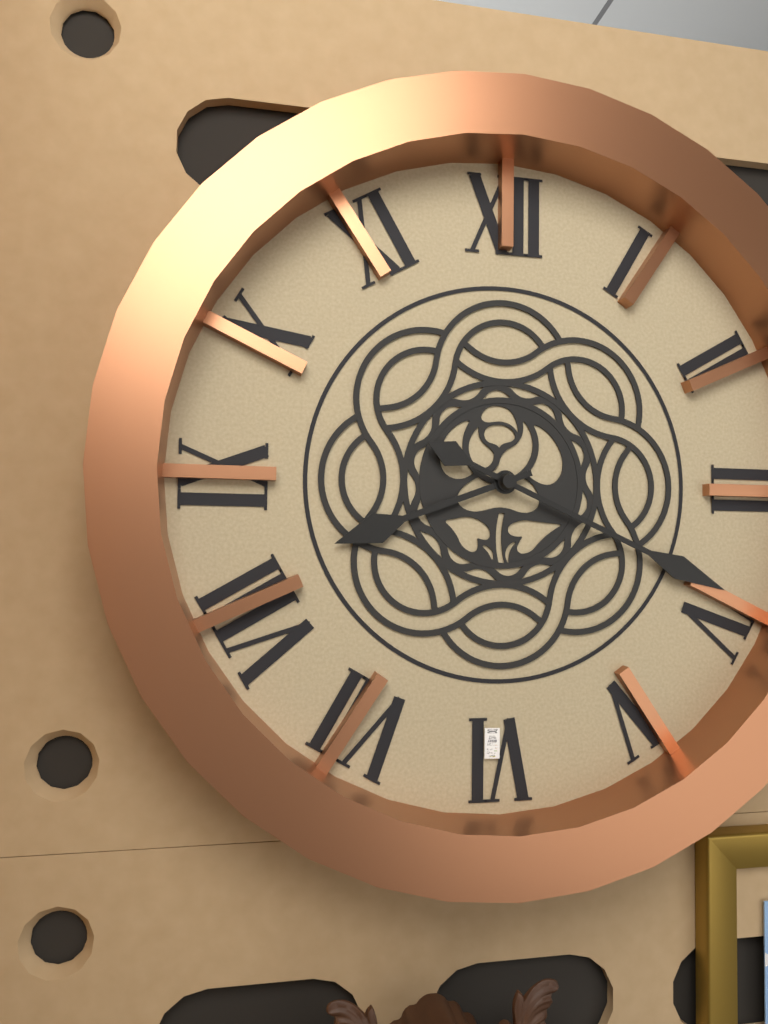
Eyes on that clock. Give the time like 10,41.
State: 8,19
